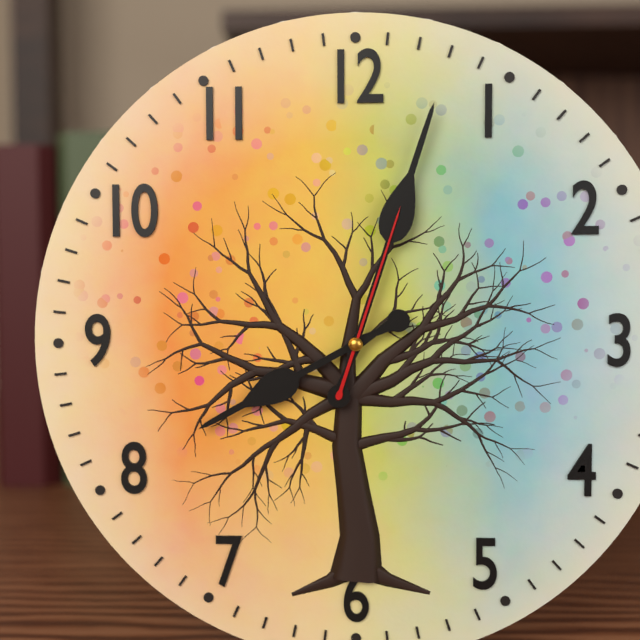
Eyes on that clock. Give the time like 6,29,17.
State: 8,03,03
